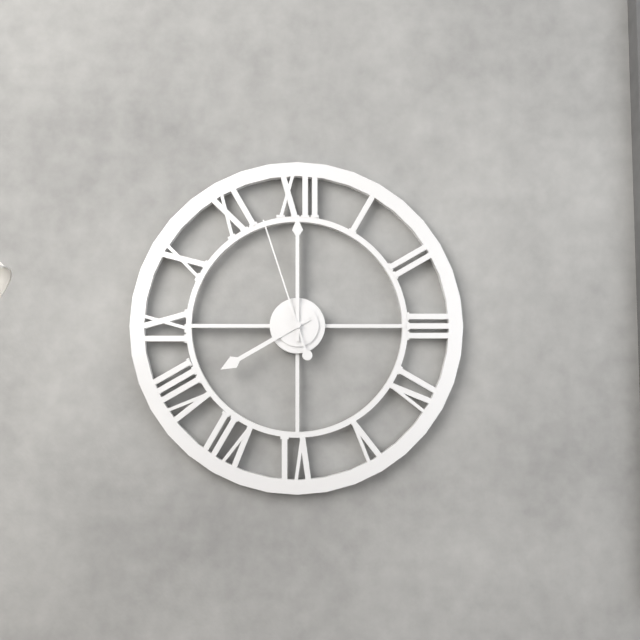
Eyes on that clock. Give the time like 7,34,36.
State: 8,00,57
